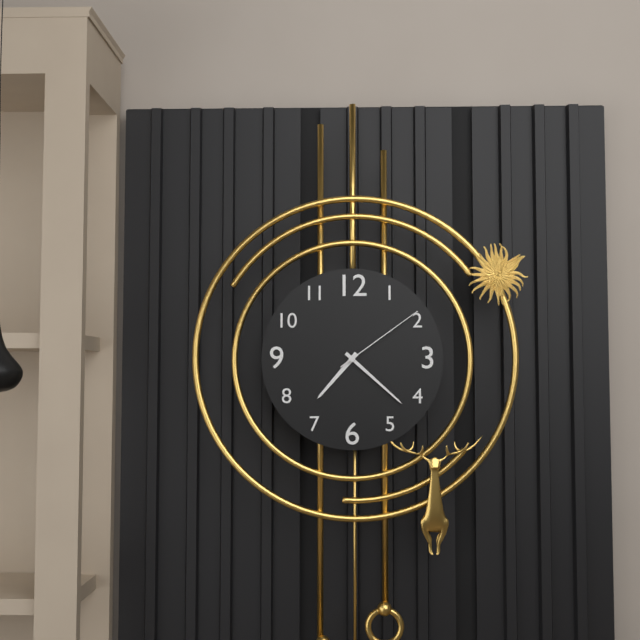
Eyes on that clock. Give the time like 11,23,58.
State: 7,22,09
